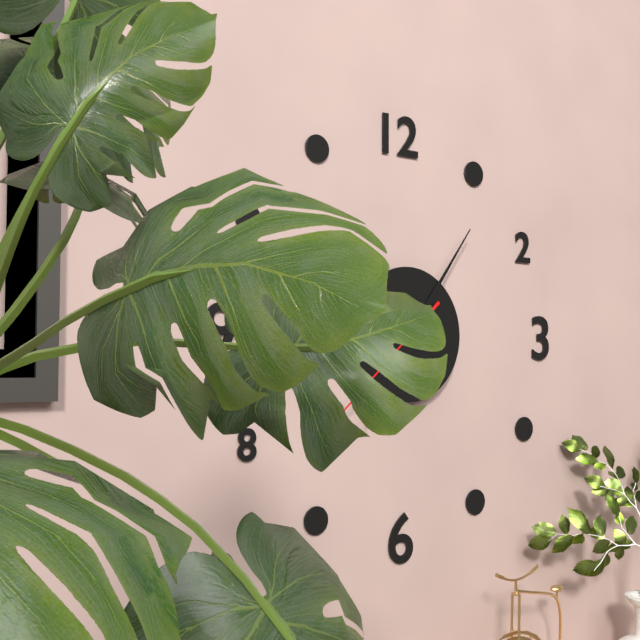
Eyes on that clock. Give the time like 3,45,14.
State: 7,06,38
